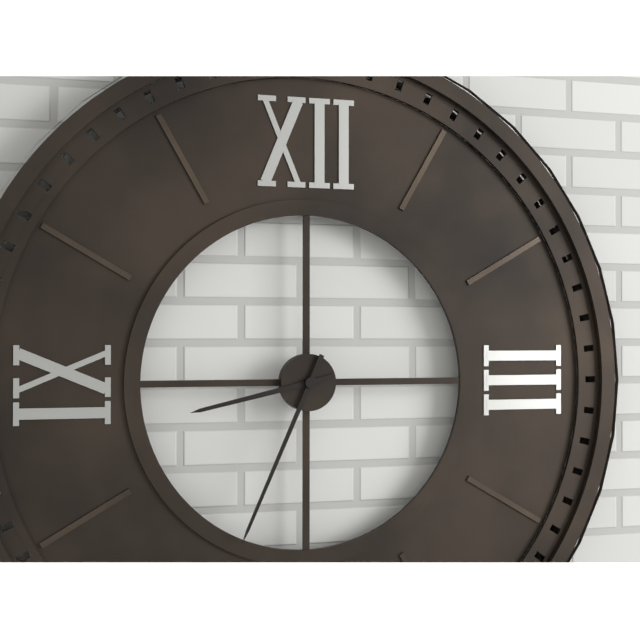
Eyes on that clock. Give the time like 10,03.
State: 8,34
